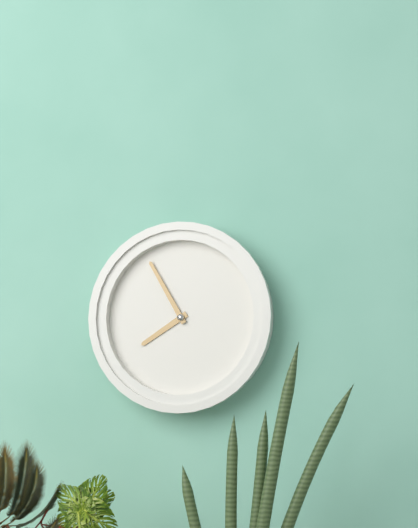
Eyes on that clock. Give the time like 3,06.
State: 7,55
